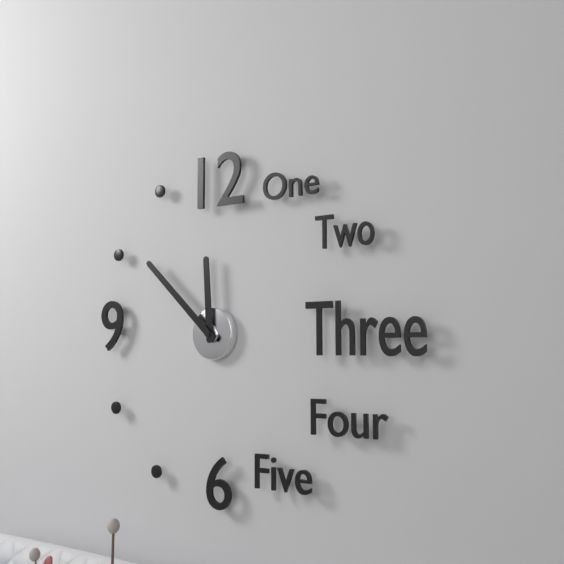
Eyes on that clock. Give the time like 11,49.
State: 11,52
